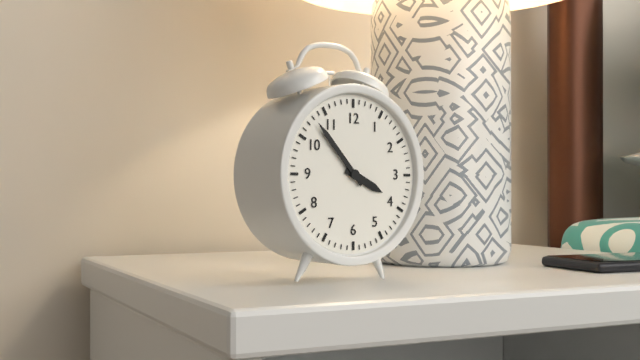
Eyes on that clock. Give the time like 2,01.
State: 3,53
